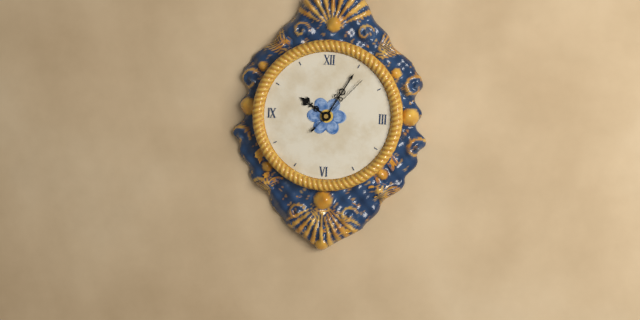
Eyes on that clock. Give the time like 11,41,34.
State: 10,05,07
